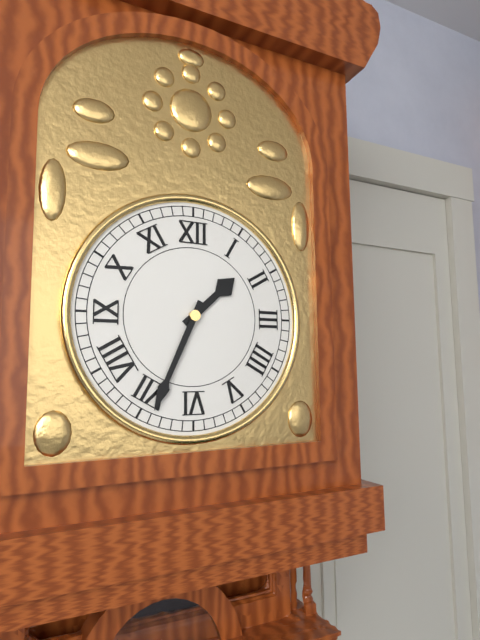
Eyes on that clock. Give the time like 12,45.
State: 1,34
